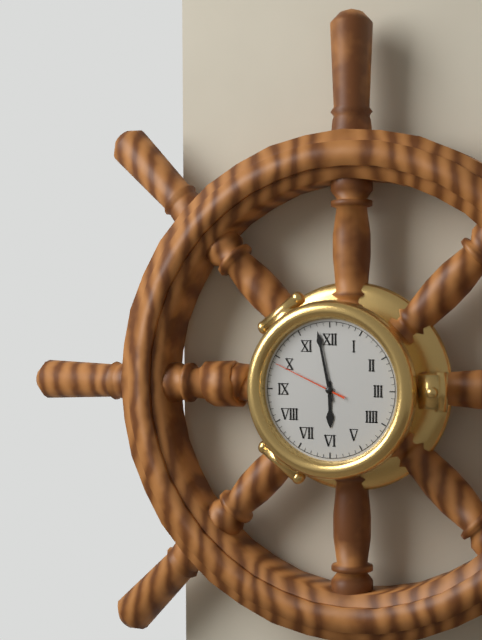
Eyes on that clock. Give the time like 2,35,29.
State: 5,58,49
